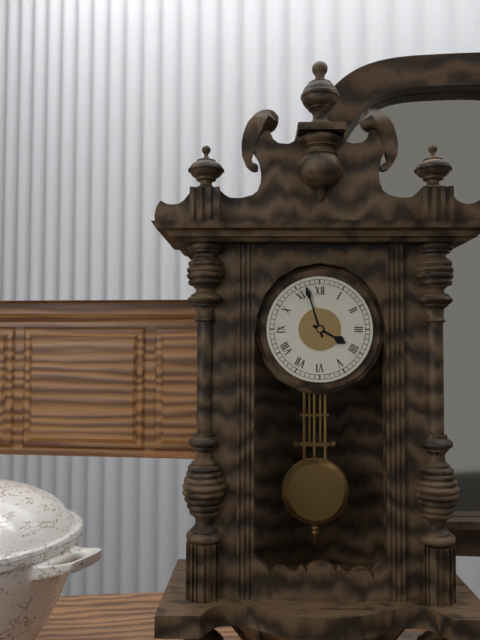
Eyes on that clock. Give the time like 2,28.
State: 3,57
